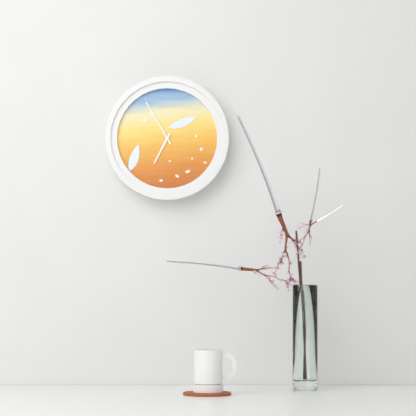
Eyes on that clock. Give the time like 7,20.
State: 6,55
